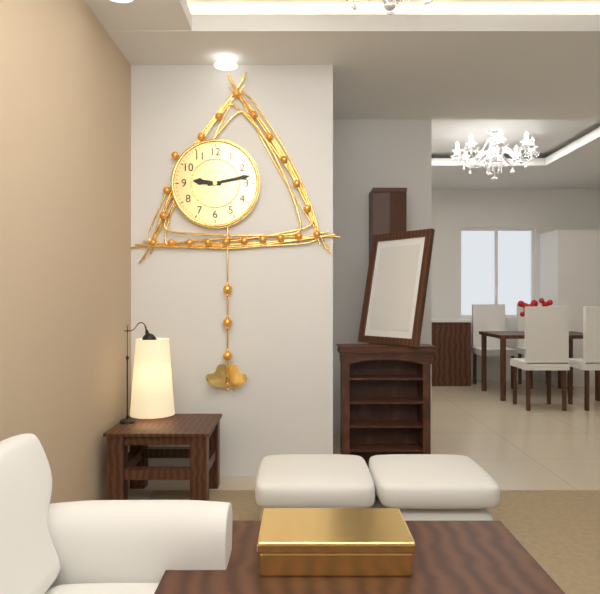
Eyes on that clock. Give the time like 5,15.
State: 9,13
